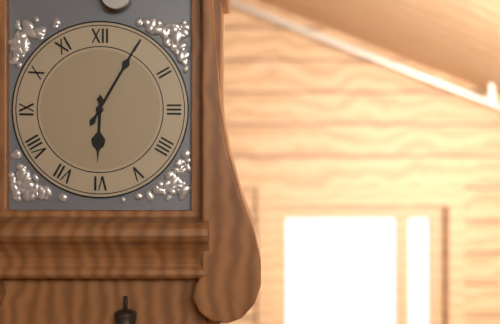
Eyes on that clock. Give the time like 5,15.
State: 6,05
